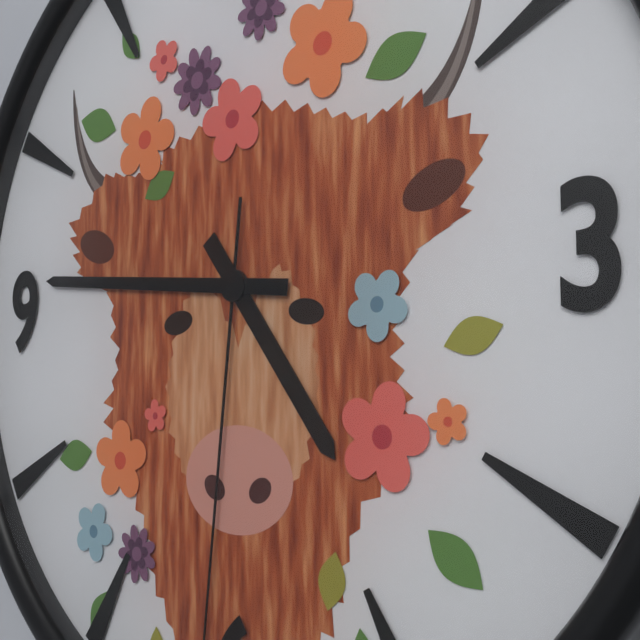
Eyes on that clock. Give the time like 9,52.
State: 4,46
